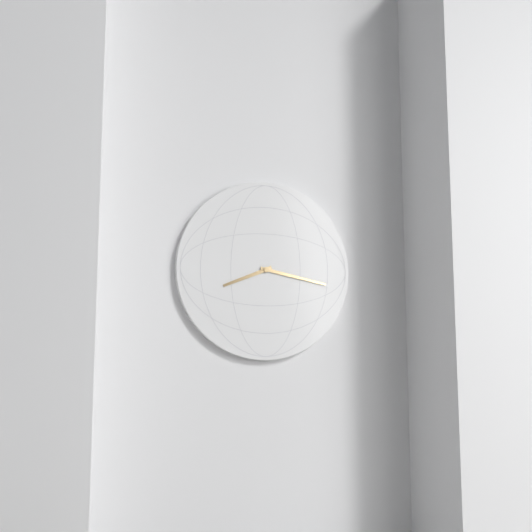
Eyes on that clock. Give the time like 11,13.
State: 8,17
